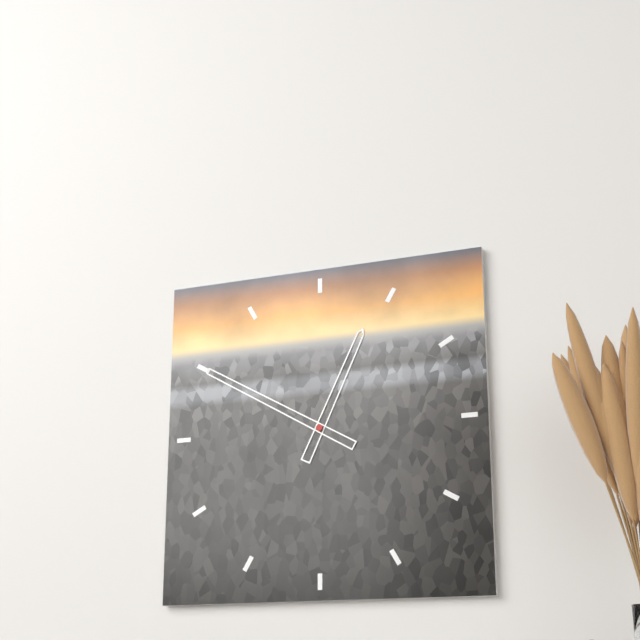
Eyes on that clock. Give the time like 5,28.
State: 12,50
